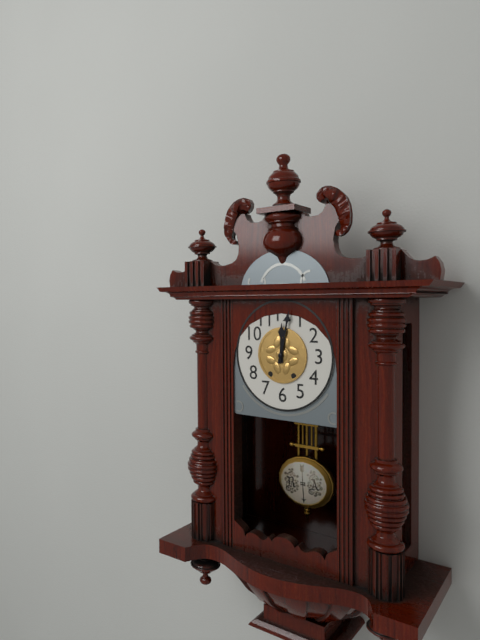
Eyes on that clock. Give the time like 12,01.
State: 12,02
